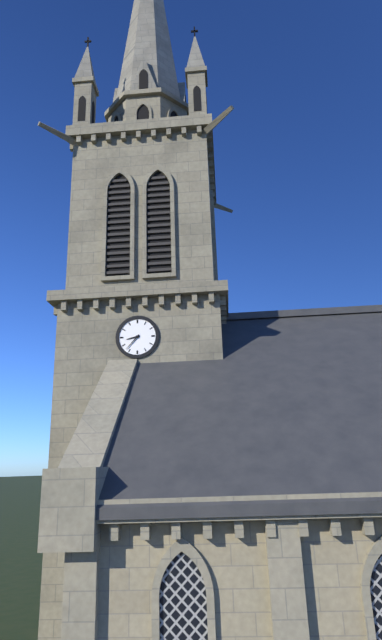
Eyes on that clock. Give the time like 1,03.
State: 8,37
